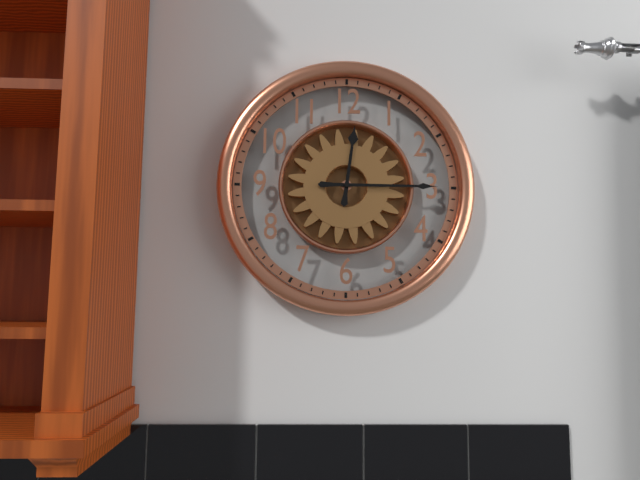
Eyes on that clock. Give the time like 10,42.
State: 12,15
